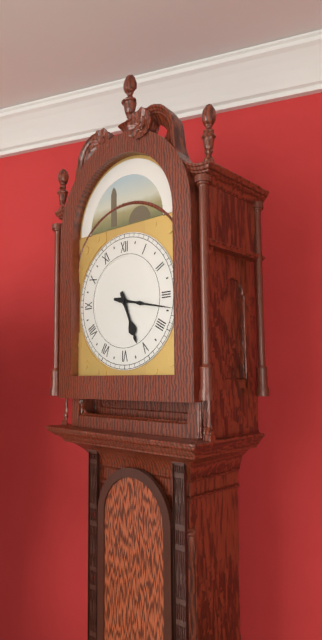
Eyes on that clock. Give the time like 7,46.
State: 5,17
